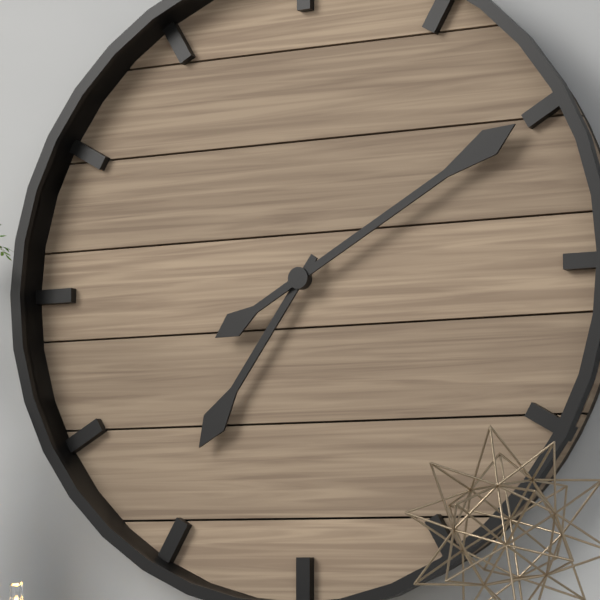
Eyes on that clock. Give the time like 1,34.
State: 7,10
